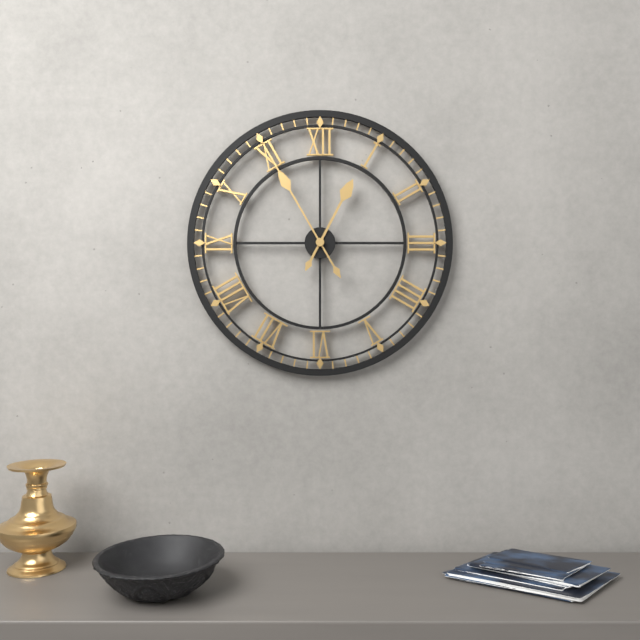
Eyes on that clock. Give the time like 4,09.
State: 12,55
